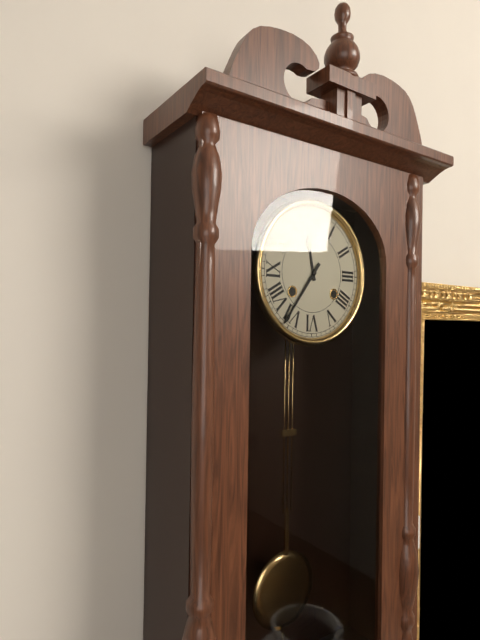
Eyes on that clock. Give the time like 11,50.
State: 11,36
